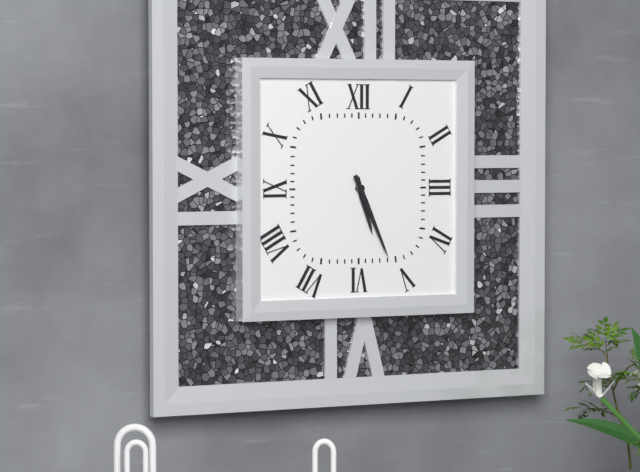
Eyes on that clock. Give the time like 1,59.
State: 5,26
